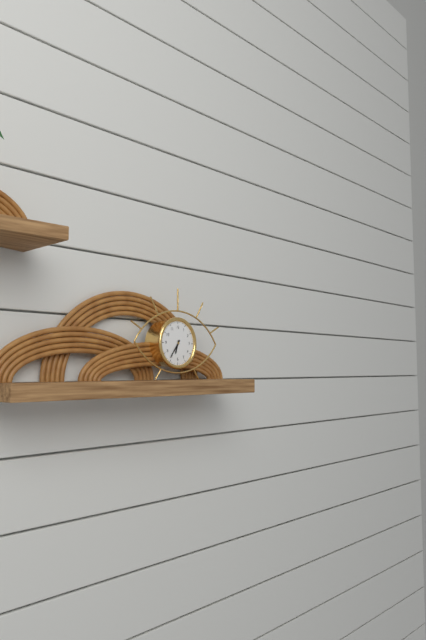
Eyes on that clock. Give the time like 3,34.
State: 6,36
